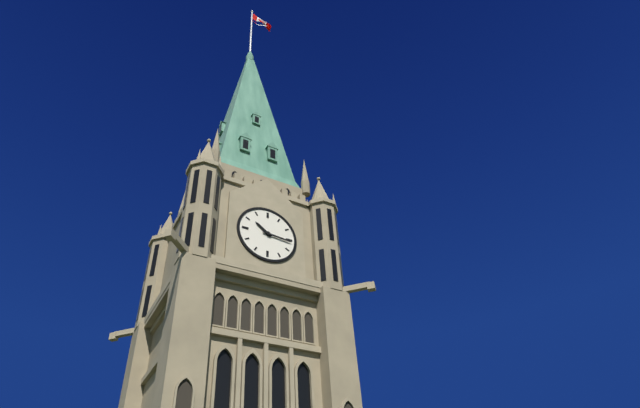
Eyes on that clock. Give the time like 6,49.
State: 10,16
